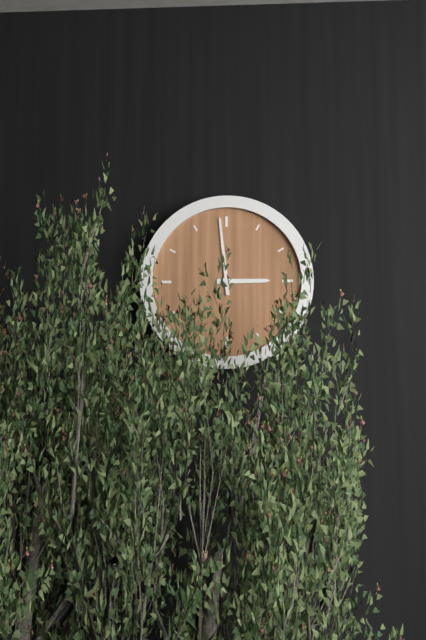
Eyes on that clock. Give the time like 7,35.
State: 2,59
